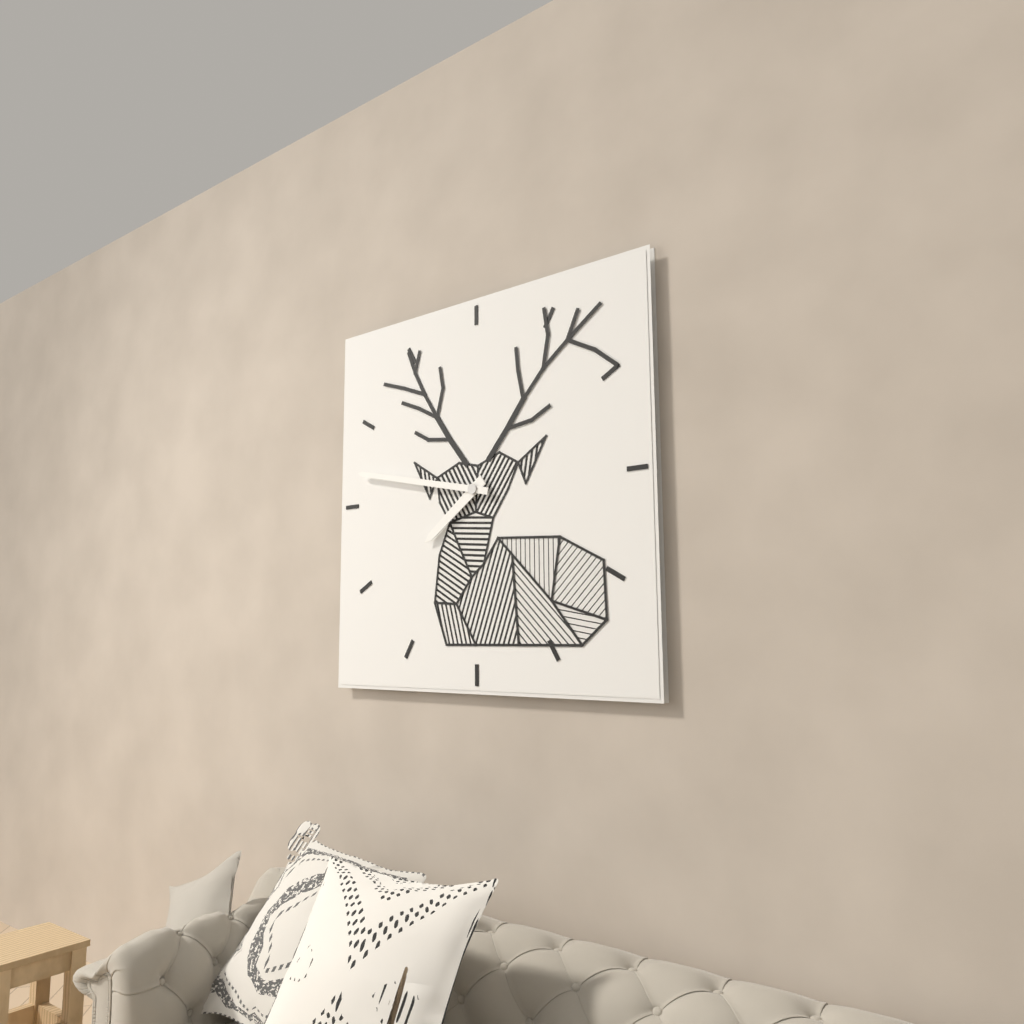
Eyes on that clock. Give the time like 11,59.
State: 7,47
